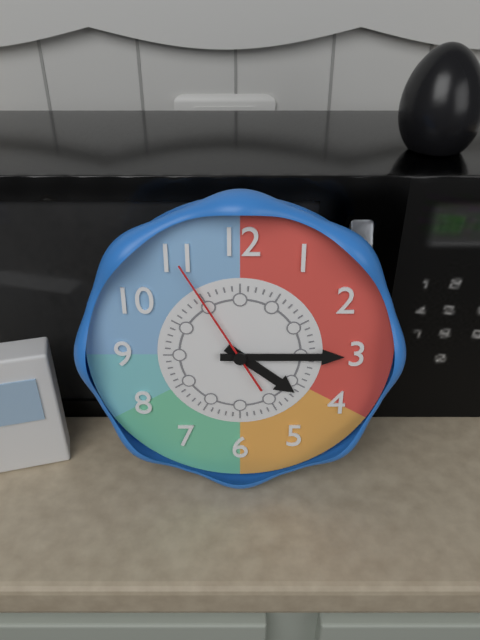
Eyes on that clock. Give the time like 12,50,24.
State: 4,15,55
